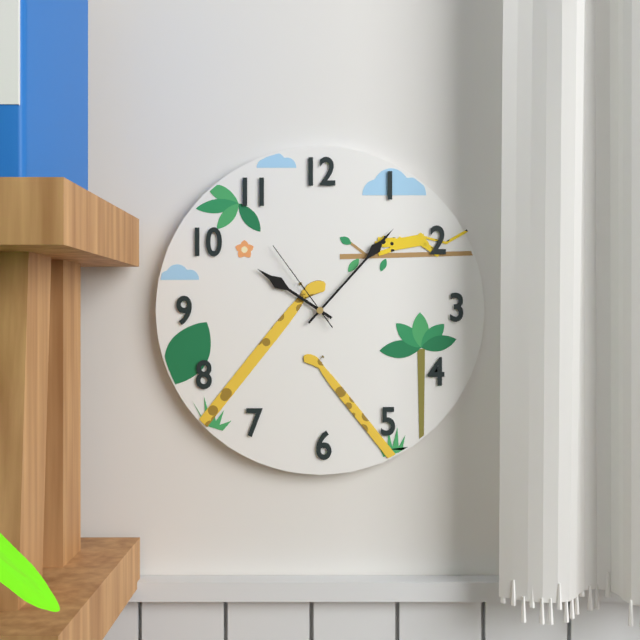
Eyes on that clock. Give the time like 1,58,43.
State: 10,07,54
